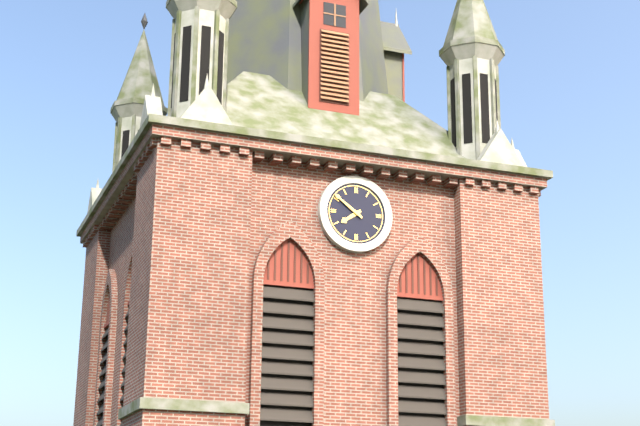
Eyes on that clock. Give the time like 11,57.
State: 7,51
